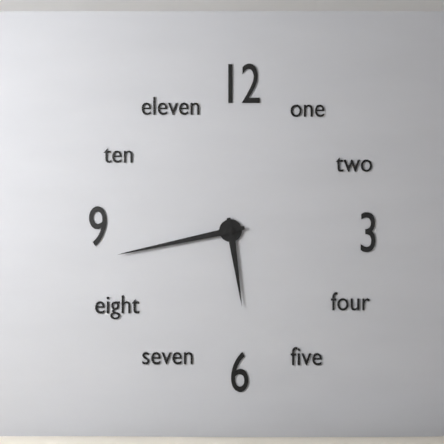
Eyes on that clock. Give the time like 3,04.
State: 5,43
